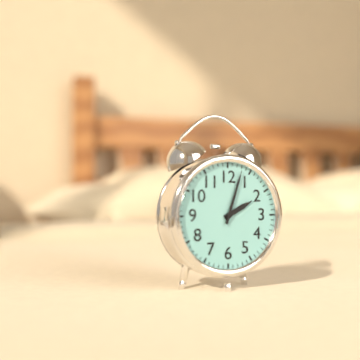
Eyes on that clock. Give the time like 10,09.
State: 2,03
